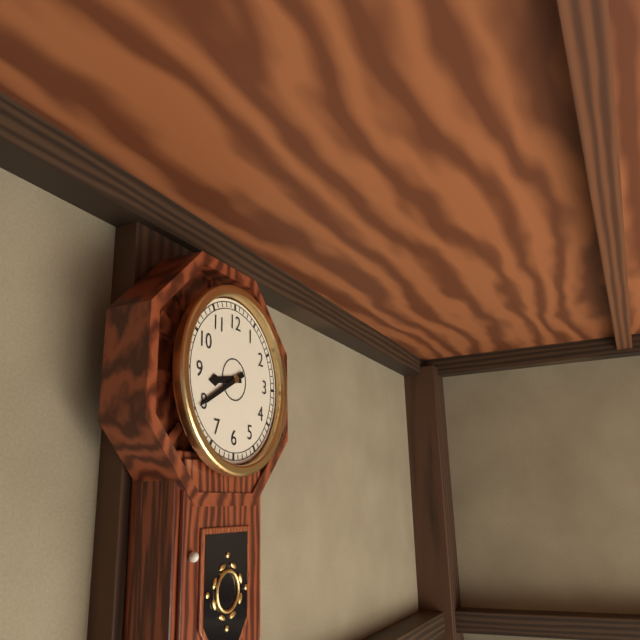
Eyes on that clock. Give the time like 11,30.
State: 8,40
